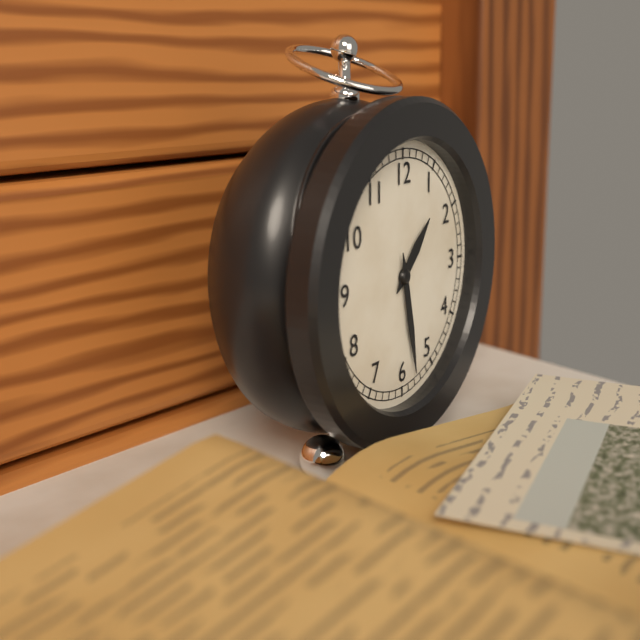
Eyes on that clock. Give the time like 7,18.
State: 1,28
